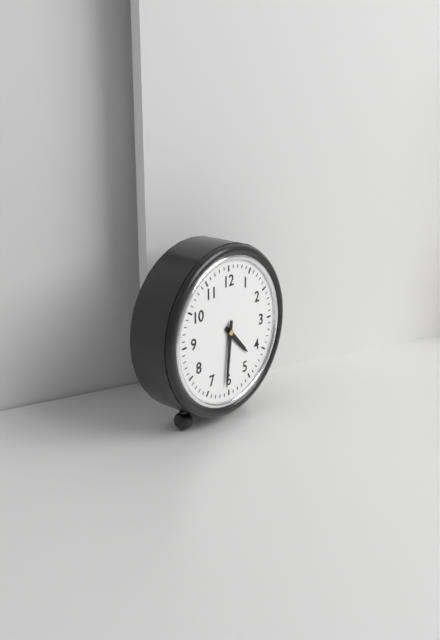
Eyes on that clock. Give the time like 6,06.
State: 4,31
